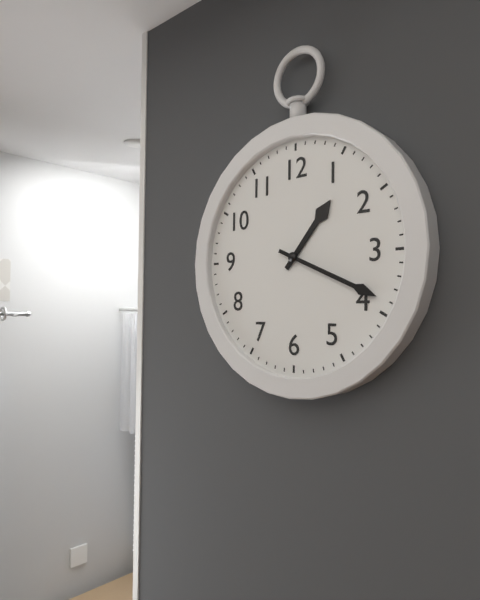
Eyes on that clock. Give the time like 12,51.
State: 1,19
